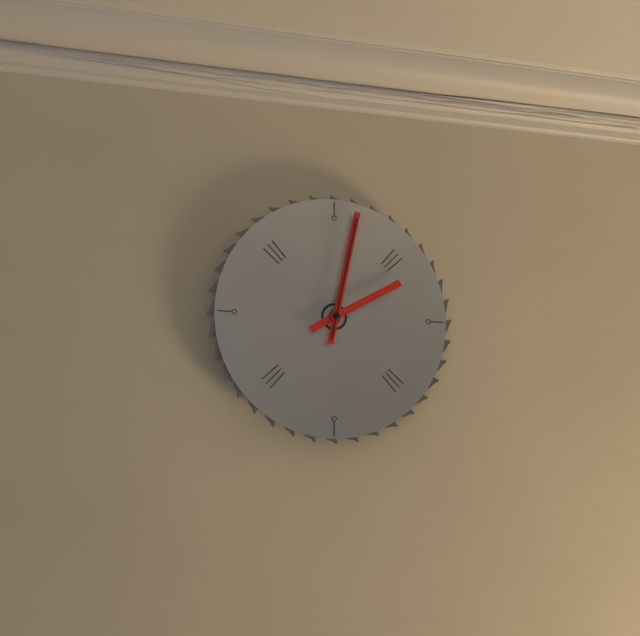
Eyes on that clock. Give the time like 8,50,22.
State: 2,02,02
